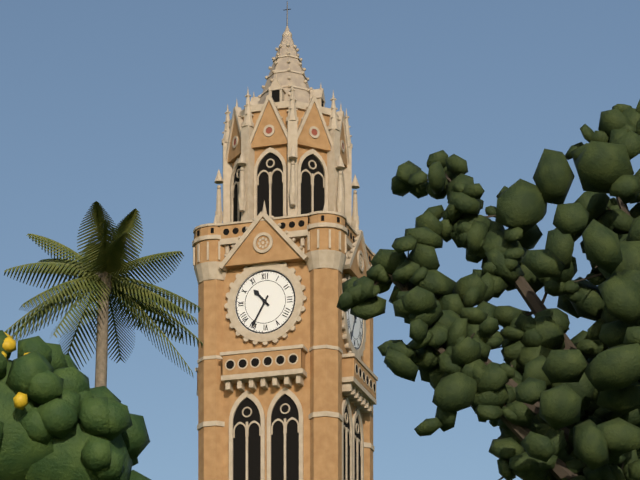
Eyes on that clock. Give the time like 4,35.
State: 10,35
